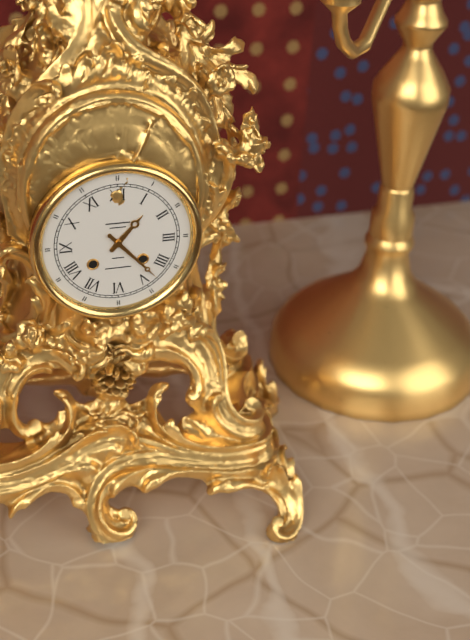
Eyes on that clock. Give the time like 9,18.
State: 1,23
